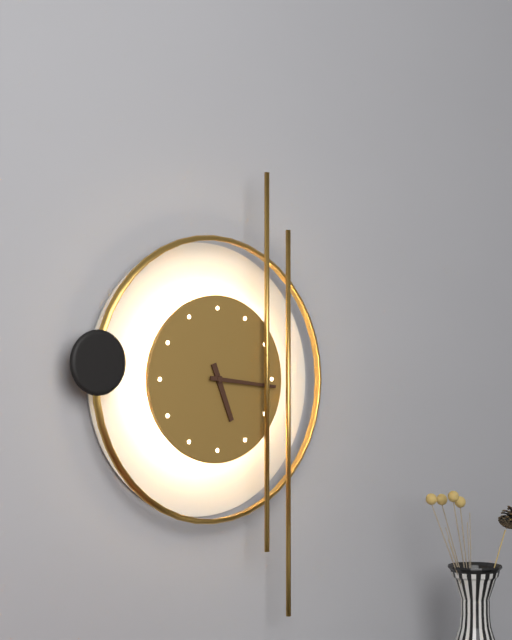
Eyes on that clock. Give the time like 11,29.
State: 5,16
